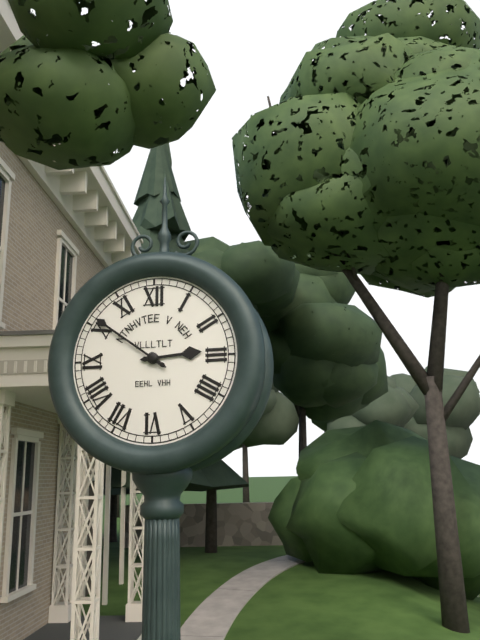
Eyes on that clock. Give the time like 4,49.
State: 2,51
